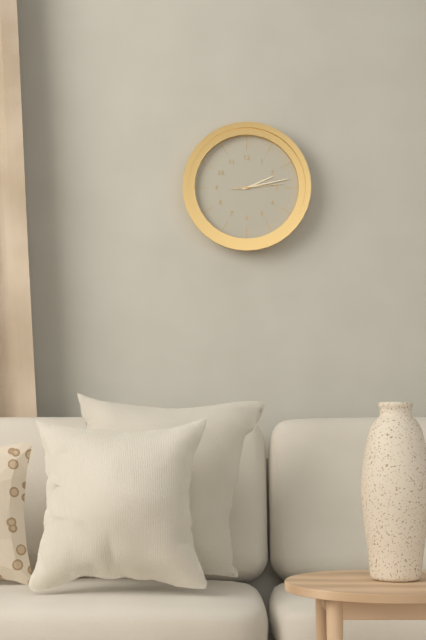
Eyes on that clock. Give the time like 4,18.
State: 2,13
